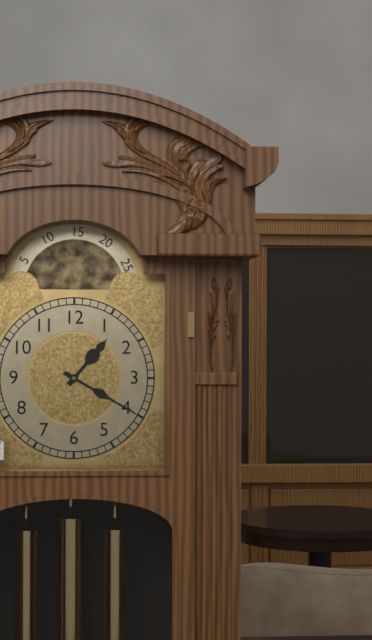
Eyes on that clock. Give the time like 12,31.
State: 1,20
